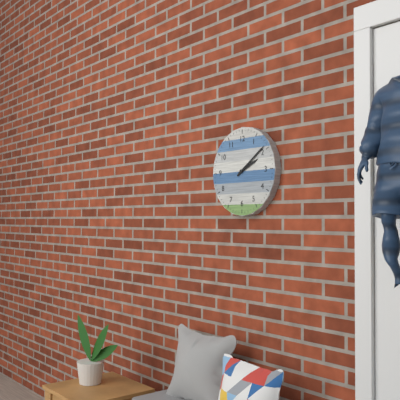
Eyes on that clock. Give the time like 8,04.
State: 2,09
